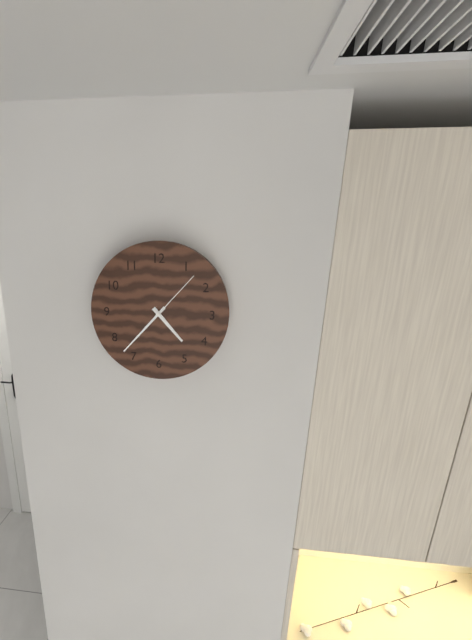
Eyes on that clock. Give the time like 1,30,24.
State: 4,37,07
